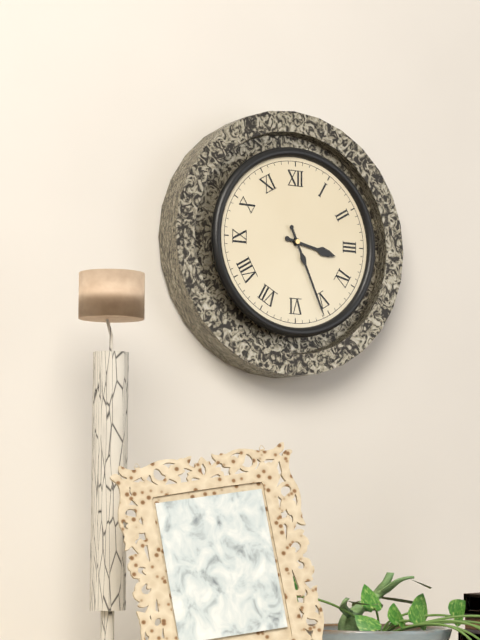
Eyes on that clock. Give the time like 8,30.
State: 3,26
